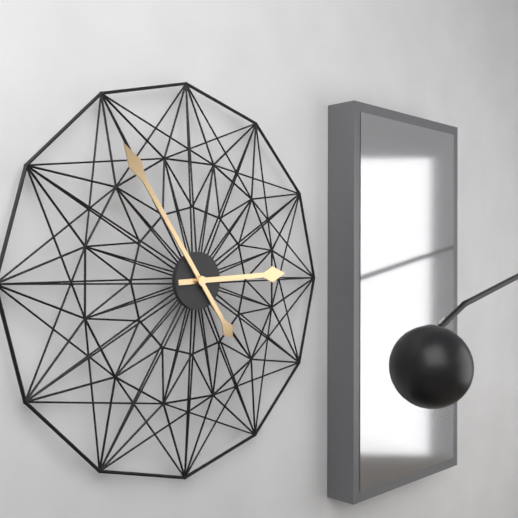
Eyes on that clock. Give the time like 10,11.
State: 2,54
